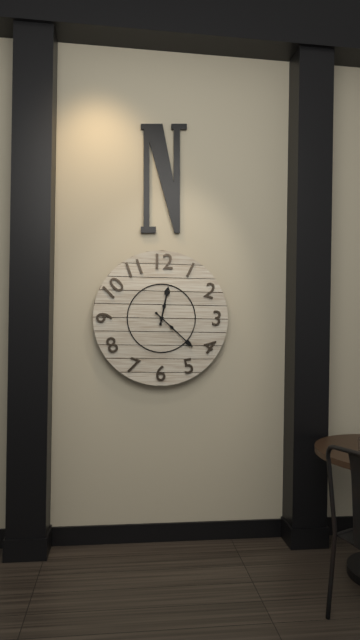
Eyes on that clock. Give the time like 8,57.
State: 12,22
